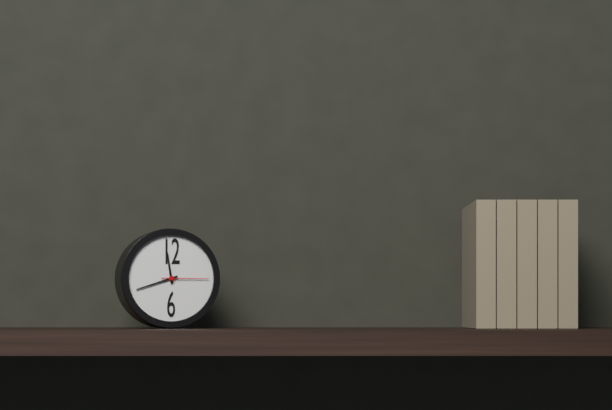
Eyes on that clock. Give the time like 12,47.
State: 11,42
